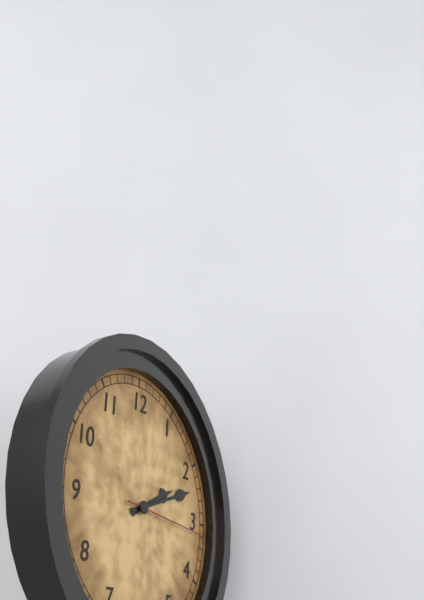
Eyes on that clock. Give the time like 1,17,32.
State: 2,12,16
